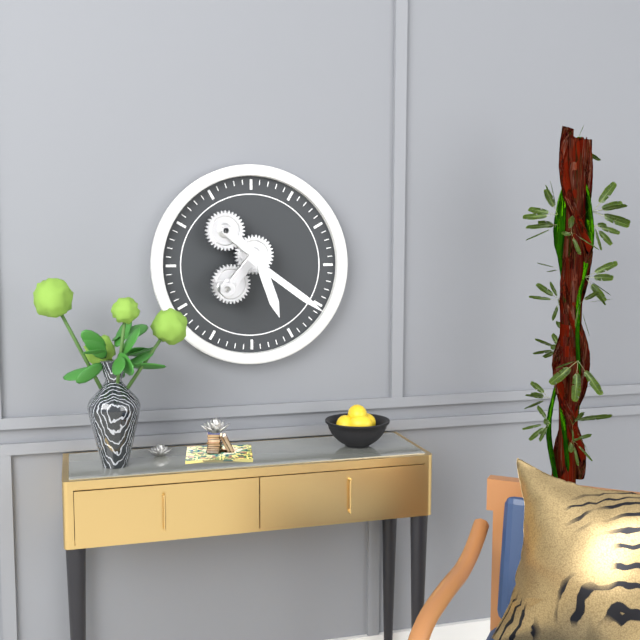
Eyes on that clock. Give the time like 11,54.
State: 5,21
